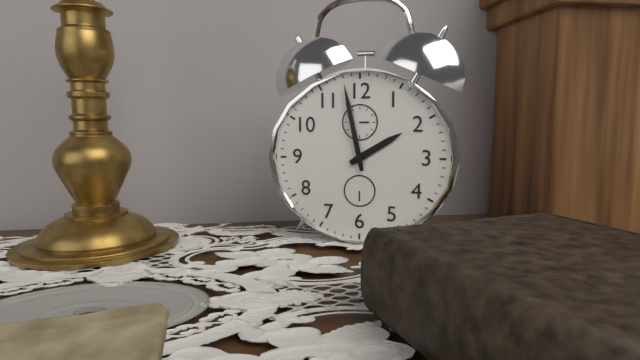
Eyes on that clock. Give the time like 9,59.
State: 1,58
